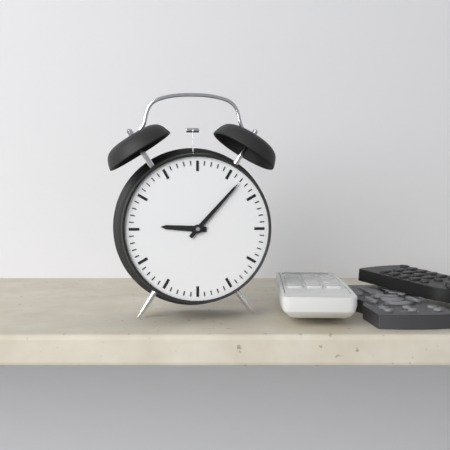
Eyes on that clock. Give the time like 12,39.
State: 9,07
